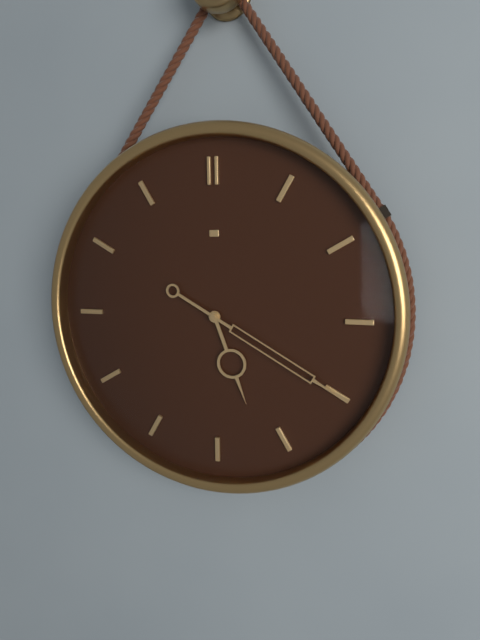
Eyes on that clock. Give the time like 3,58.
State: 5,20
